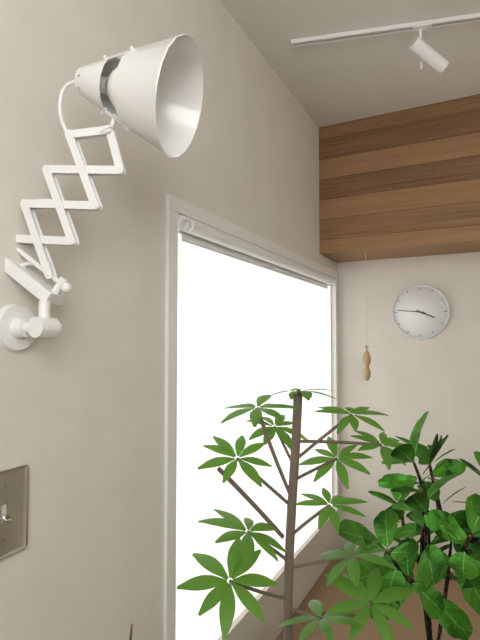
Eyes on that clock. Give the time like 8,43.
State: 3,46
